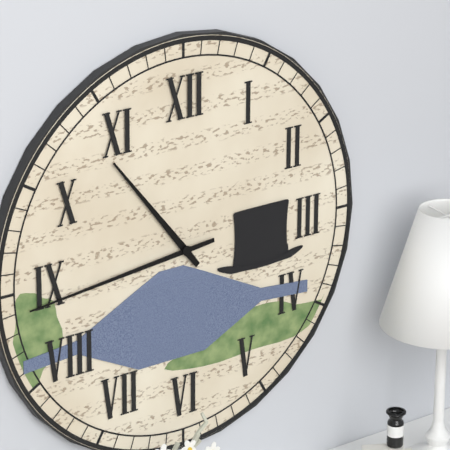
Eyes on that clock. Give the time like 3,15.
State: 10,44
